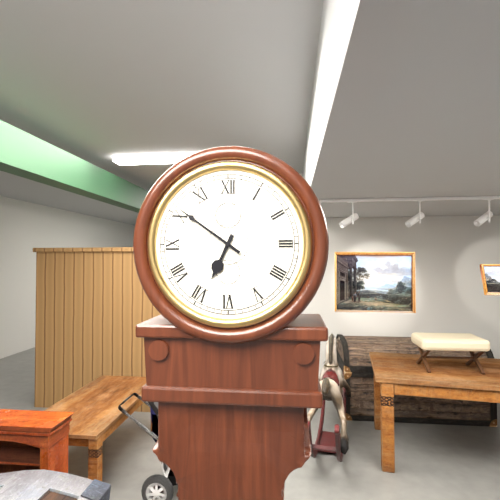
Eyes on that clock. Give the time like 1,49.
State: 6,51
